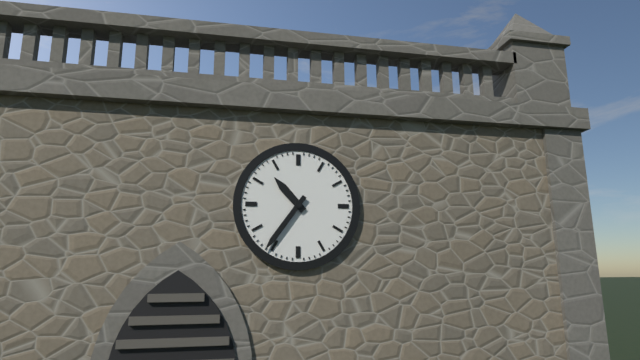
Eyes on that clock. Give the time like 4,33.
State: 10,36
